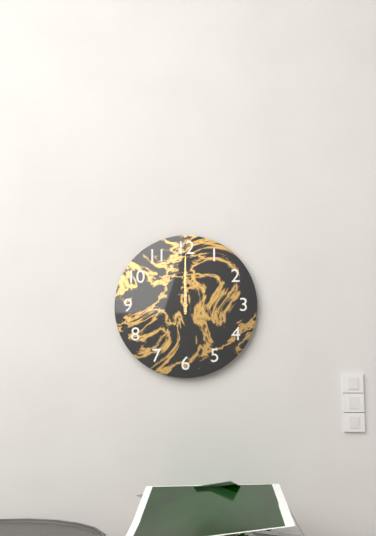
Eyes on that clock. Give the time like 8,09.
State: 12,00
